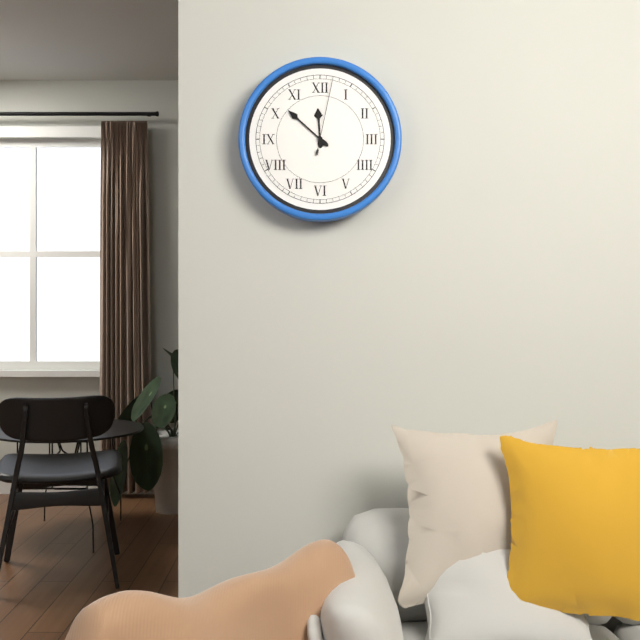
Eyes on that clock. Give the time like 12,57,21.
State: 11,52,02
